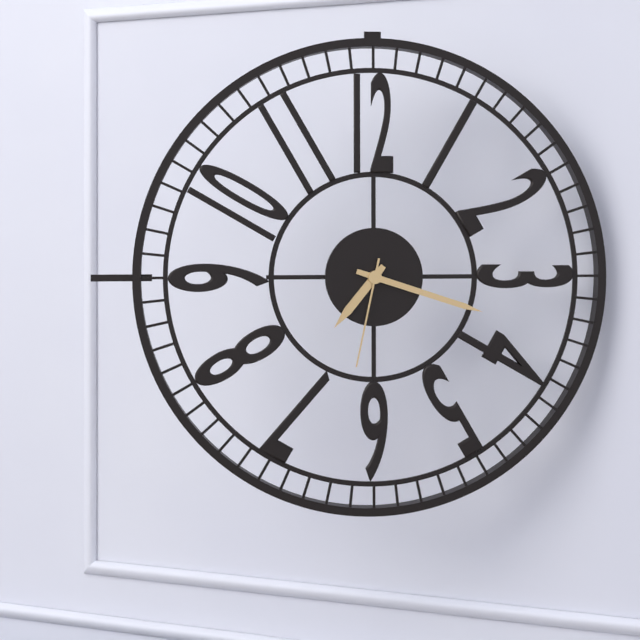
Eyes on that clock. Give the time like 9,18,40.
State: 7,18,32
